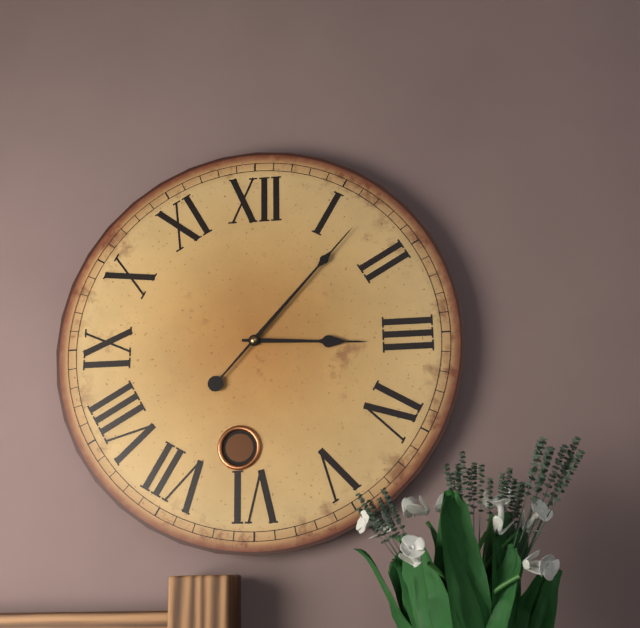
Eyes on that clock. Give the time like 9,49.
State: 3,07
